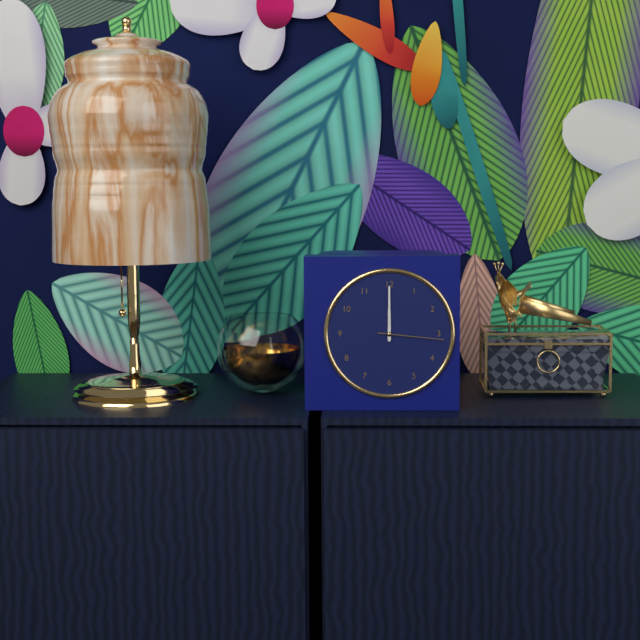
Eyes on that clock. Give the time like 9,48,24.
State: 12,00,16
